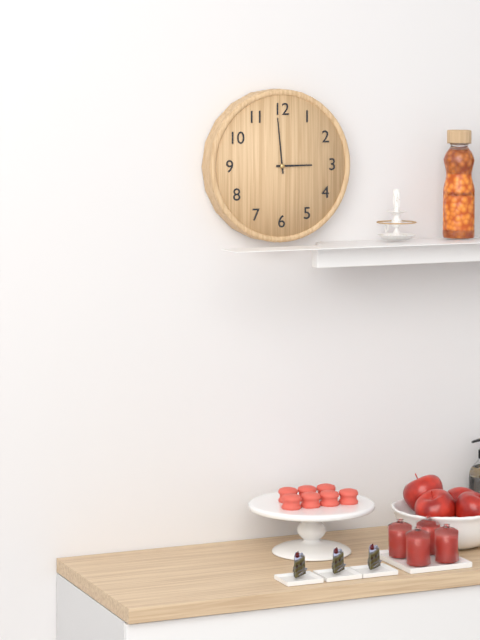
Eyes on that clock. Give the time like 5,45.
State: 2,59
